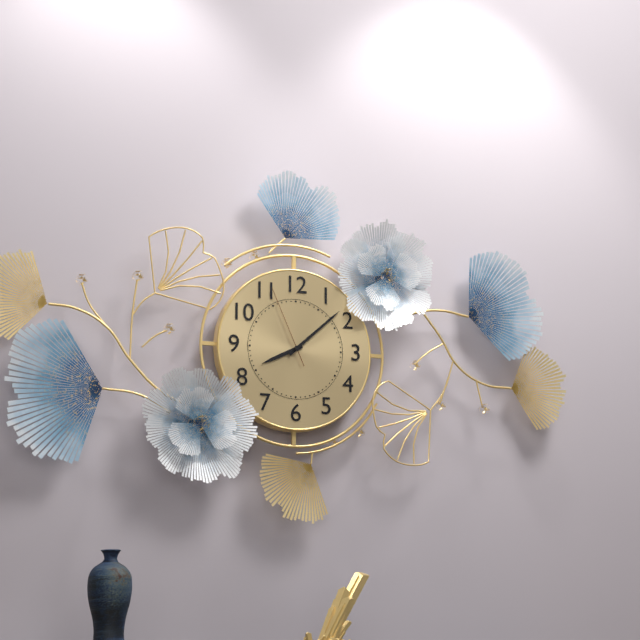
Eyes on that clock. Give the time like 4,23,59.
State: 8,08,56
